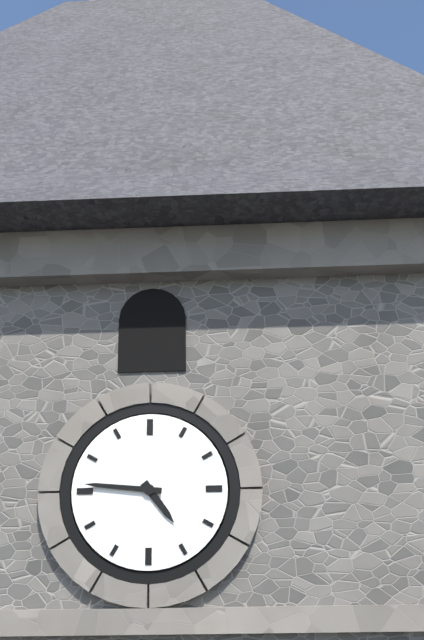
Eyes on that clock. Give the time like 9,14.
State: 4,46
